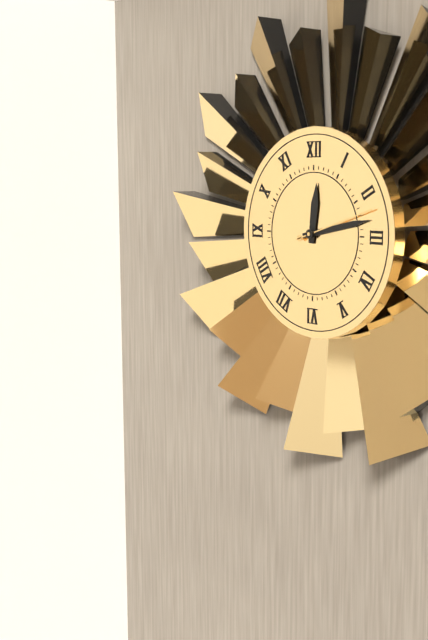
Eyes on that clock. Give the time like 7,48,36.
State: 12,13,12
